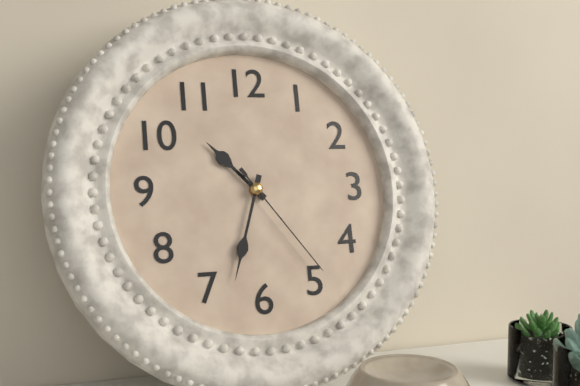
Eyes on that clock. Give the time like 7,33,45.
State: 10,33,24
